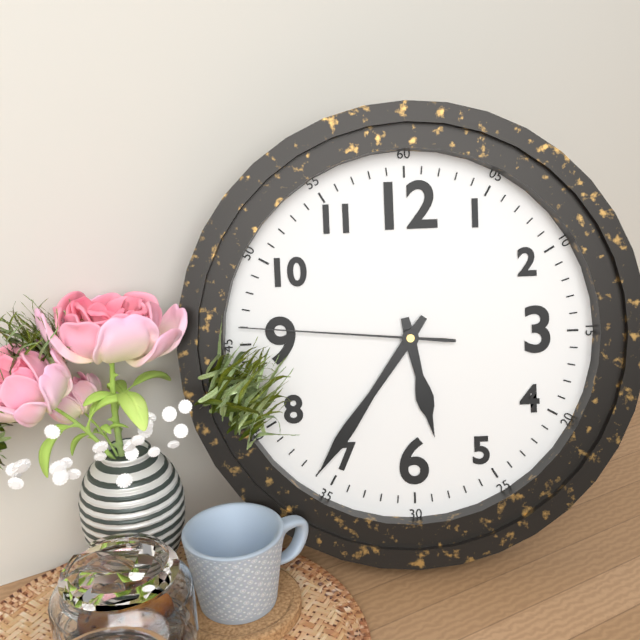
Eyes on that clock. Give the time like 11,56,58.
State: 5,36,46
